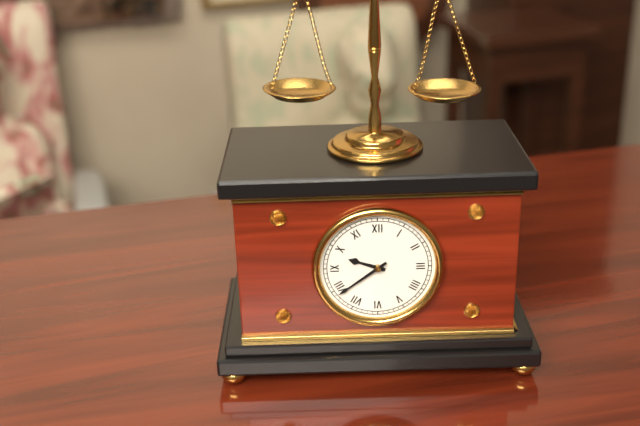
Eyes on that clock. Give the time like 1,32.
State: 9,39
